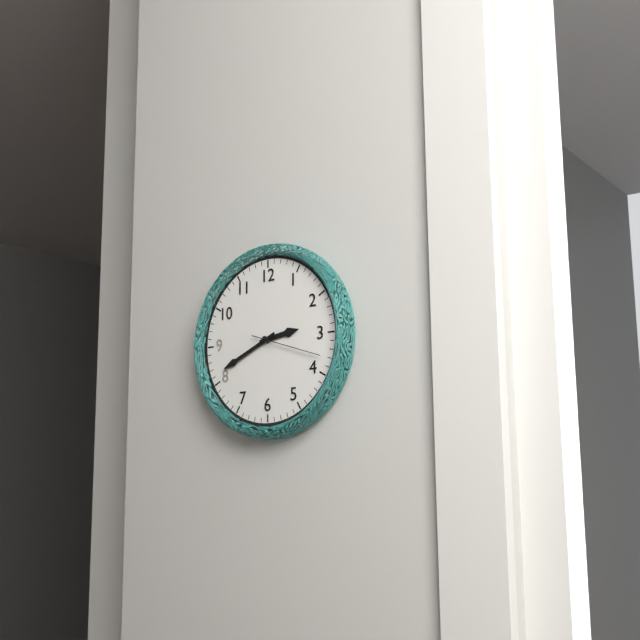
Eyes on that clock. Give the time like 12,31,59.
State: 2,41,18
